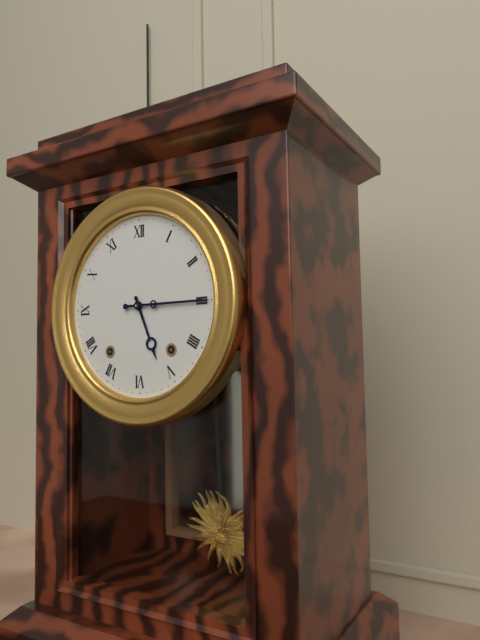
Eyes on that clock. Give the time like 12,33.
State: 5,15
